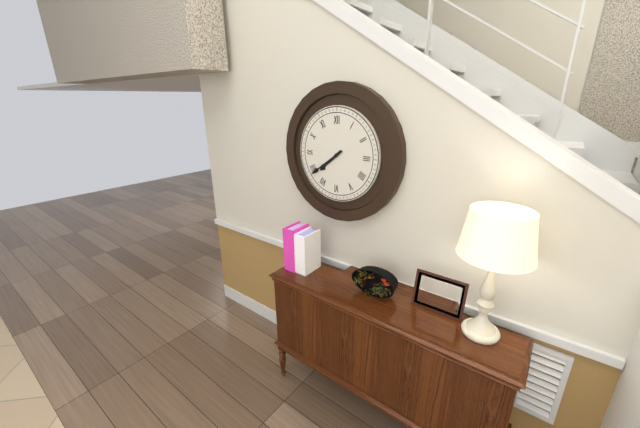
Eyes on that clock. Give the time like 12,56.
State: 7,39
